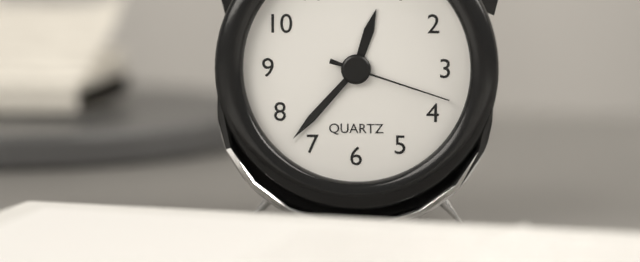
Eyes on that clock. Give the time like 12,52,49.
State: 12,37,18
